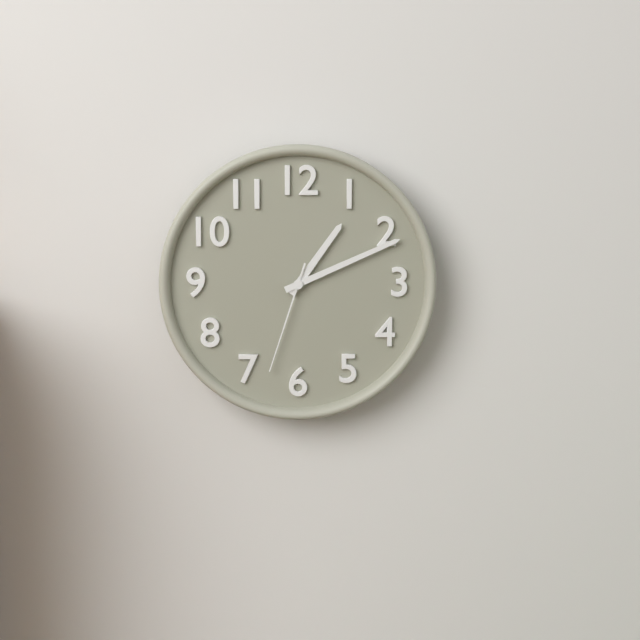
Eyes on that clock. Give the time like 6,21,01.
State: 1,11,33
